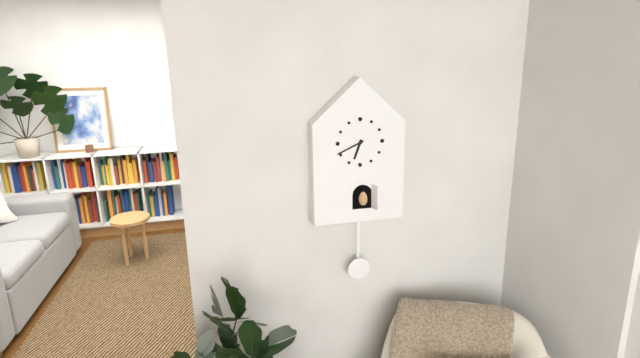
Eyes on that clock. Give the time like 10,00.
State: 6,41
